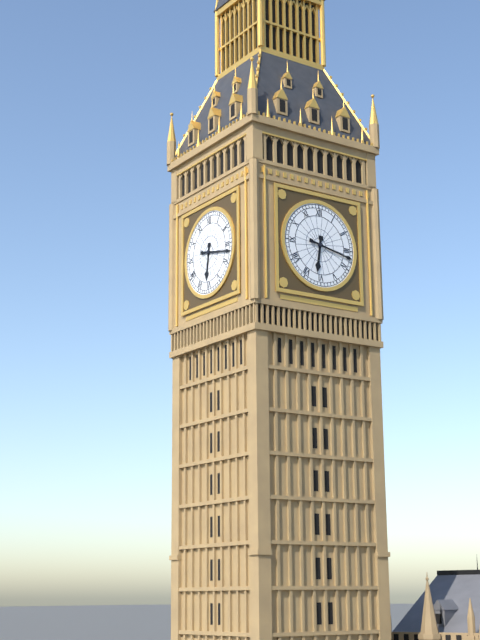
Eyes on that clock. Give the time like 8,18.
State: 6,17
